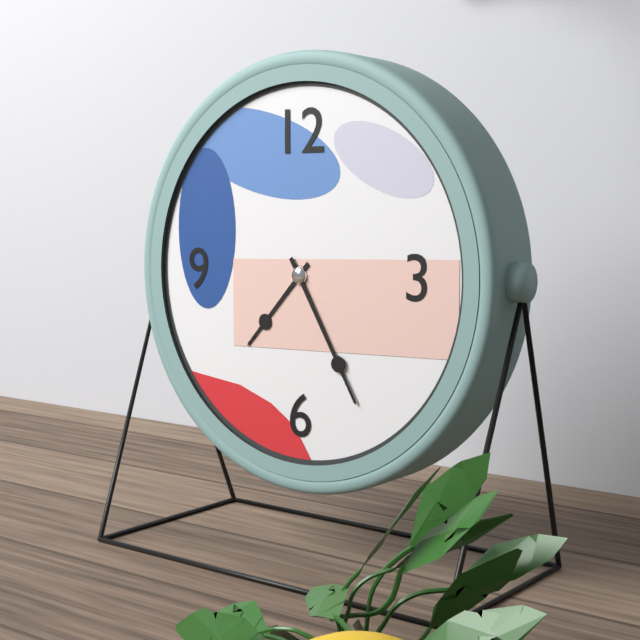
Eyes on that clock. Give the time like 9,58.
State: 7,25
